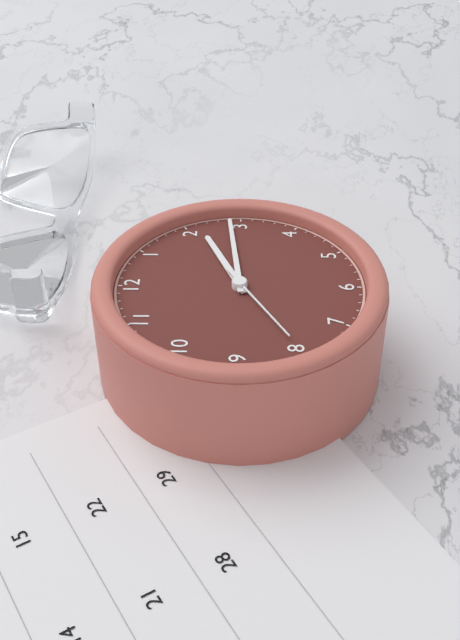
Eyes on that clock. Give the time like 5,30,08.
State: 2,14,40
